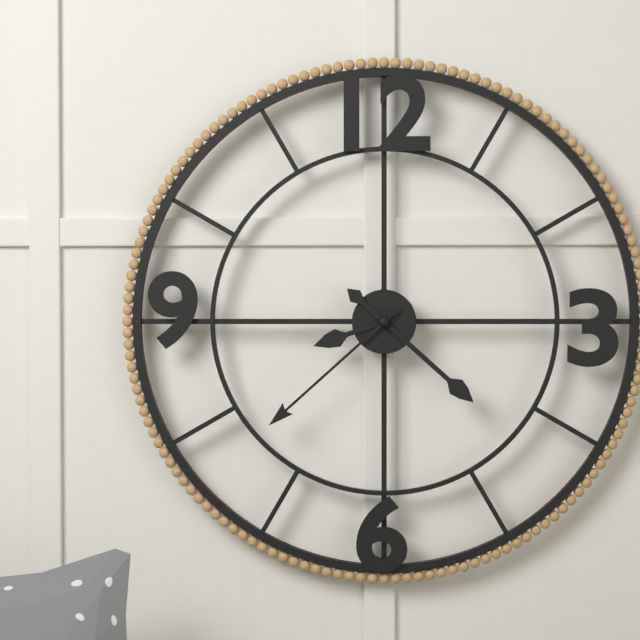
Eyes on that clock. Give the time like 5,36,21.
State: 8,22,38
